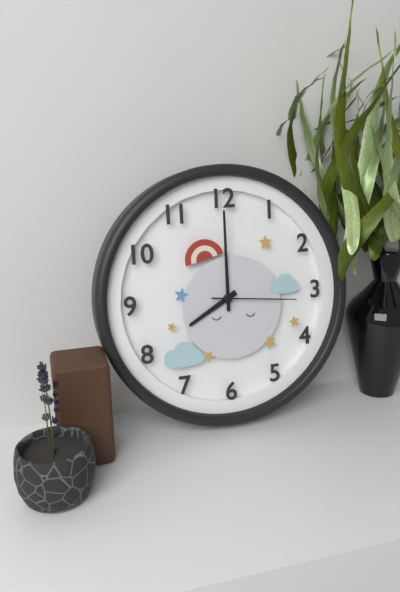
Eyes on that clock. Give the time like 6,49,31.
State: 8,00,16
